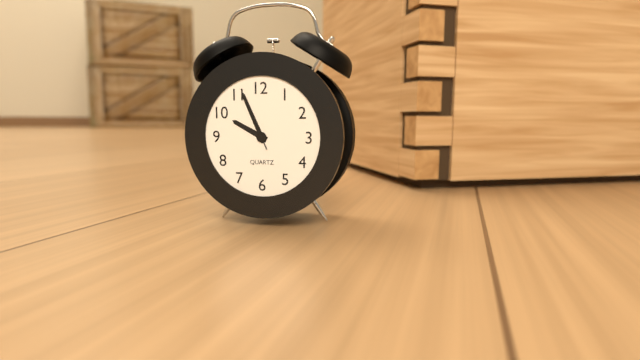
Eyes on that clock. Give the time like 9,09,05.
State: 9,56,56
